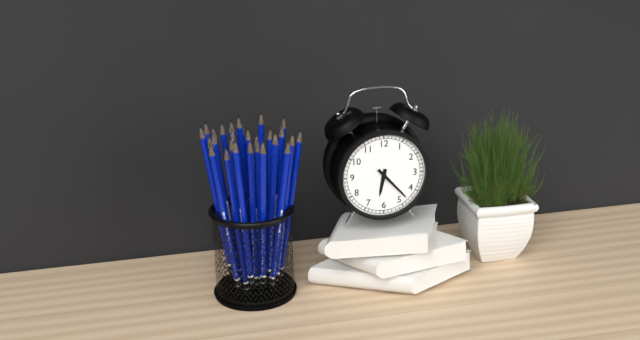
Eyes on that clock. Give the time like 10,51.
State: 6,23
